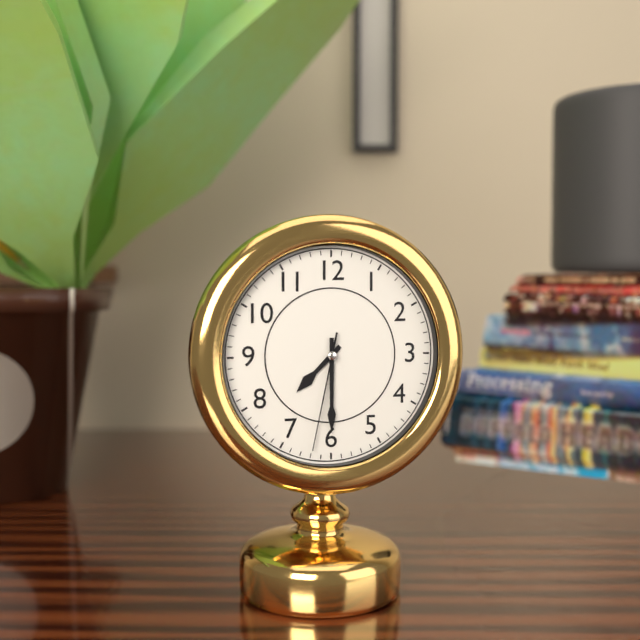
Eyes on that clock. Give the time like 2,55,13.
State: 7,30,32
